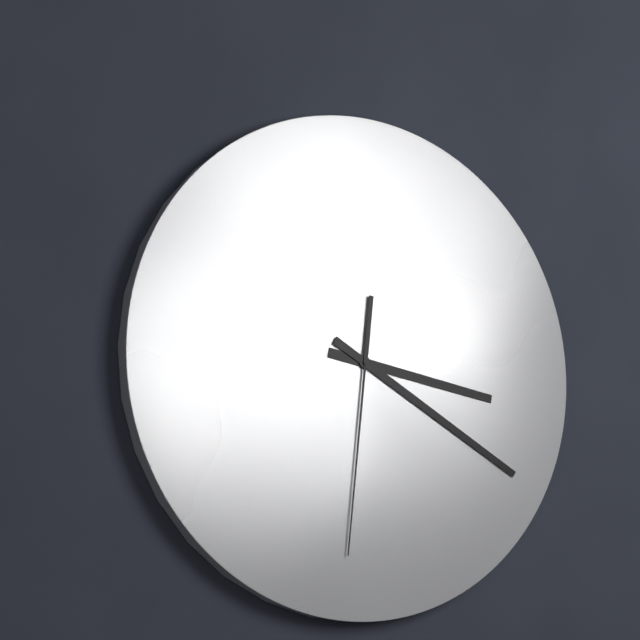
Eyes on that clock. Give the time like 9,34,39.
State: 3,20,31
